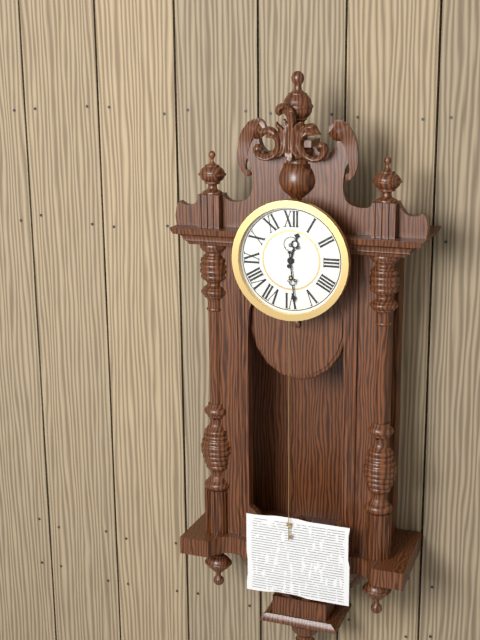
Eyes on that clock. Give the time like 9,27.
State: 12,29
